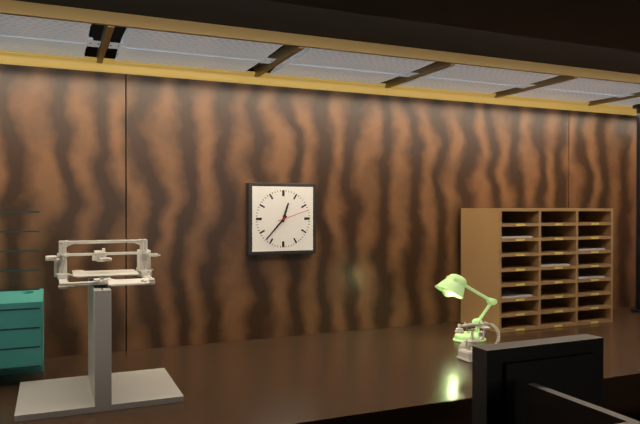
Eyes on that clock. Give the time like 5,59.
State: 12,37
